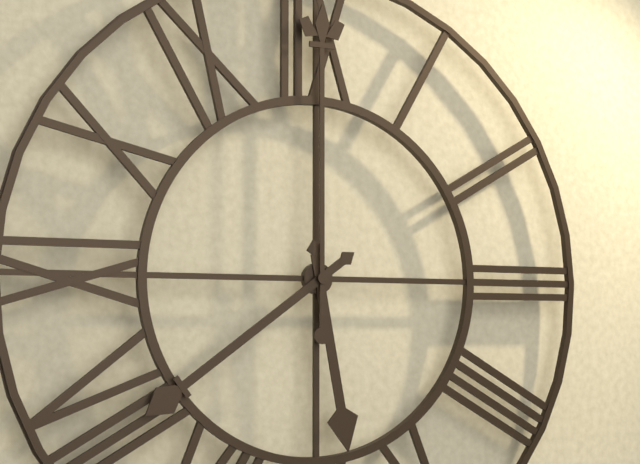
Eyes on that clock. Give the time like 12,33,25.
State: 5,39,00
